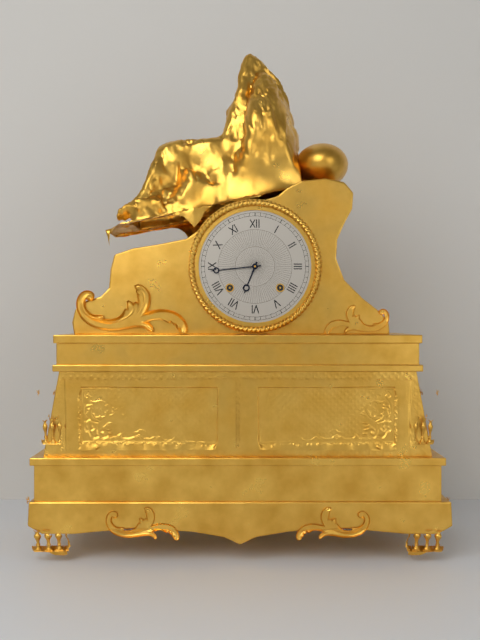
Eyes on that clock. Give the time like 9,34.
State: 6,44
